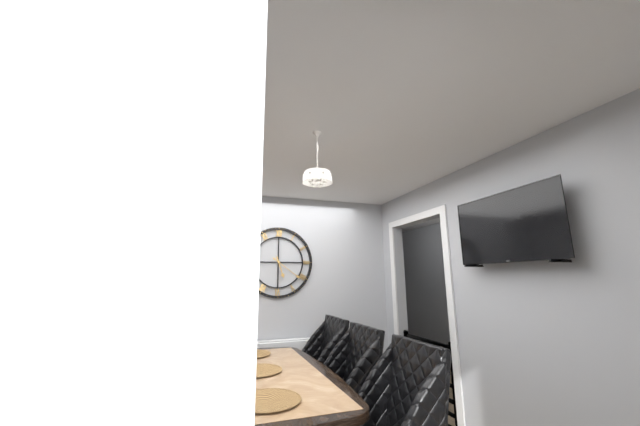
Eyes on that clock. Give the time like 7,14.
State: 5,21
